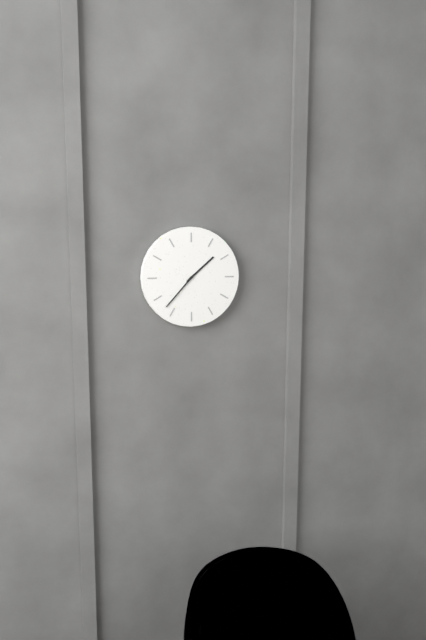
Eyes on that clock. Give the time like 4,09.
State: 1,37
